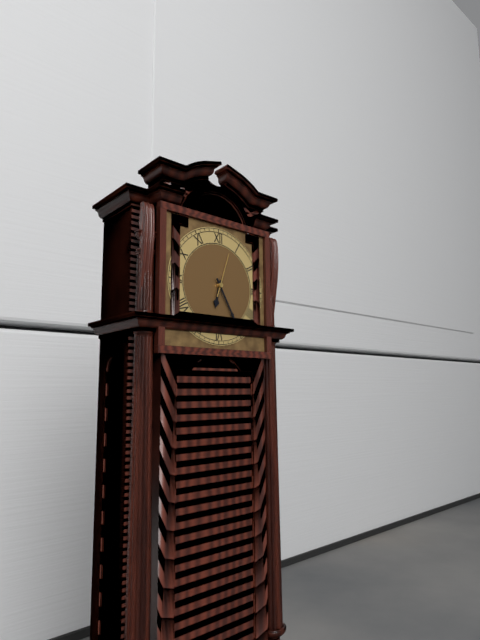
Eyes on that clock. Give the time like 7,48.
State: 6,25
